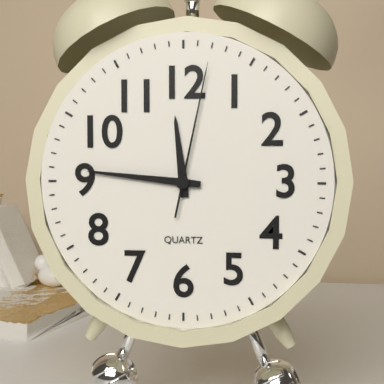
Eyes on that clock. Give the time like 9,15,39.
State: 11,46,02
